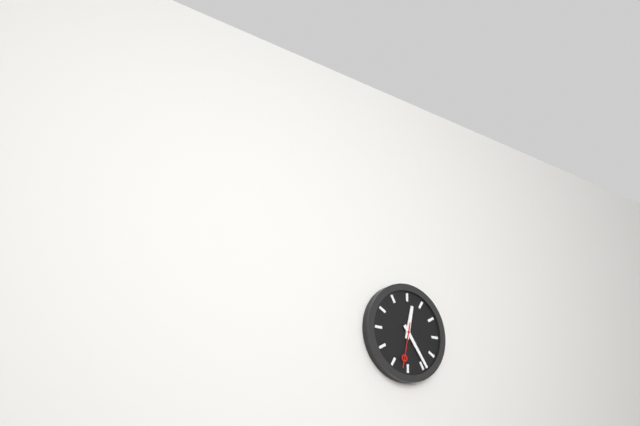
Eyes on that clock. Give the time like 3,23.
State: 12,24
